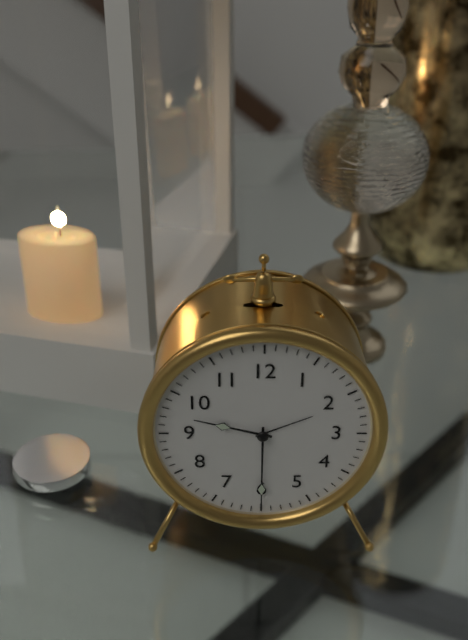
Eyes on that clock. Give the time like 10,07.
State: 9,30
